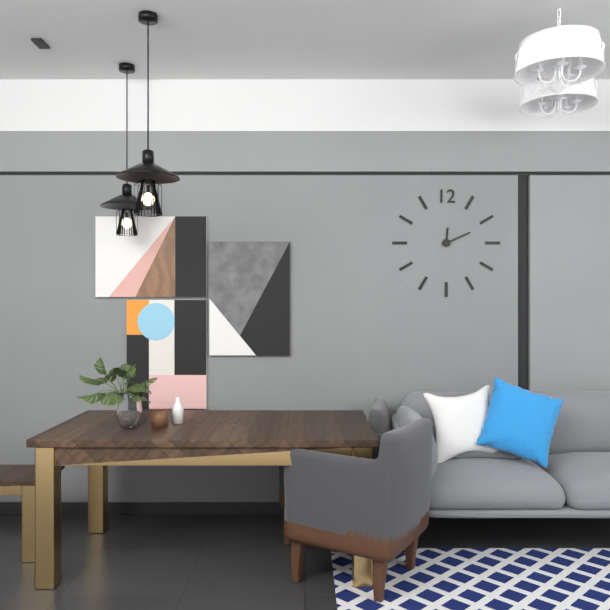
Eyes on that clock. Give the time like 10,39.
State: 12,11
